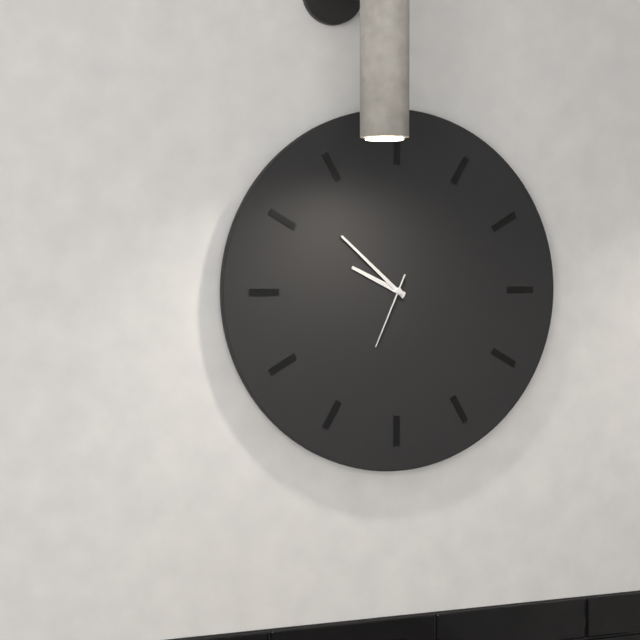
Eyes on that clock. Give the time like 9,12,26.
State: 9,52,34
